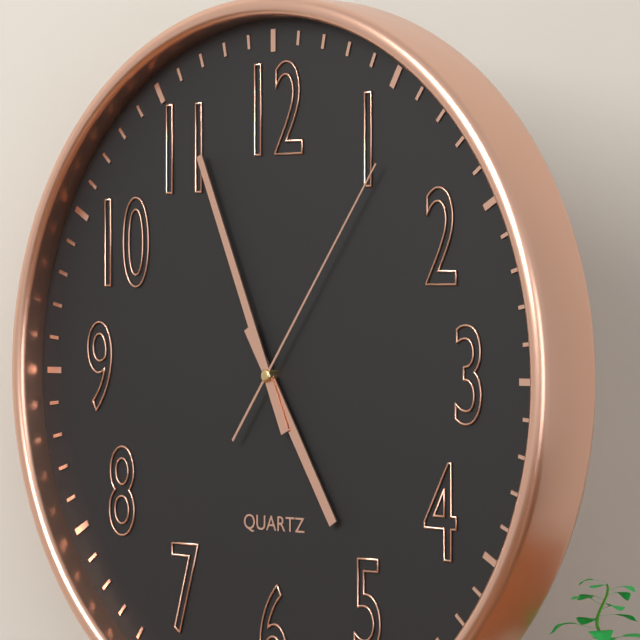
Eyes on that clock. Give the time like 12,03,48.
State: 4,56,06
